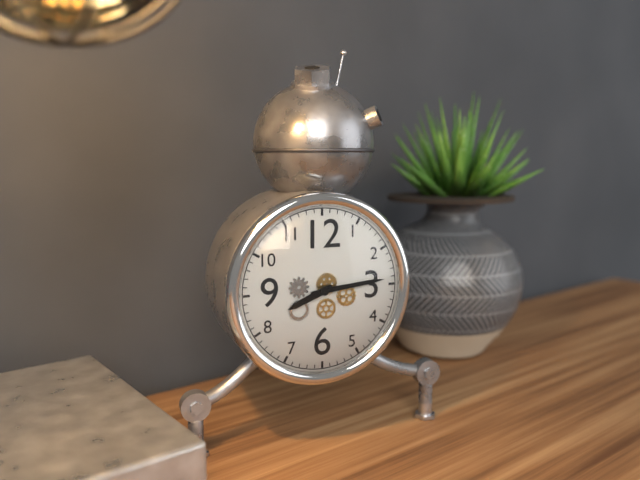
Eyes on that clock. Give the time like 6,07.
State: 8,14
